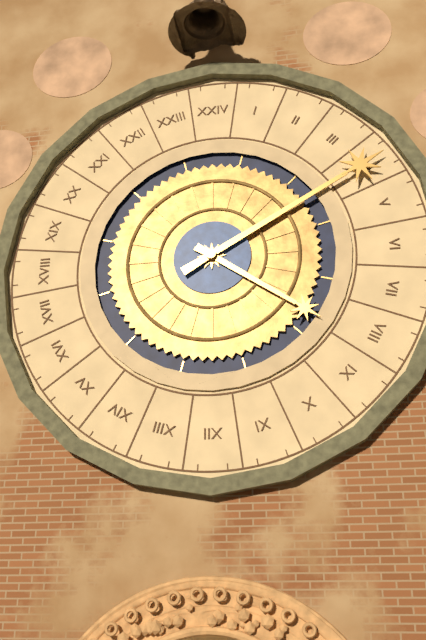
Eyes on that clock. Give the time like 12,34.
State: 4,10
